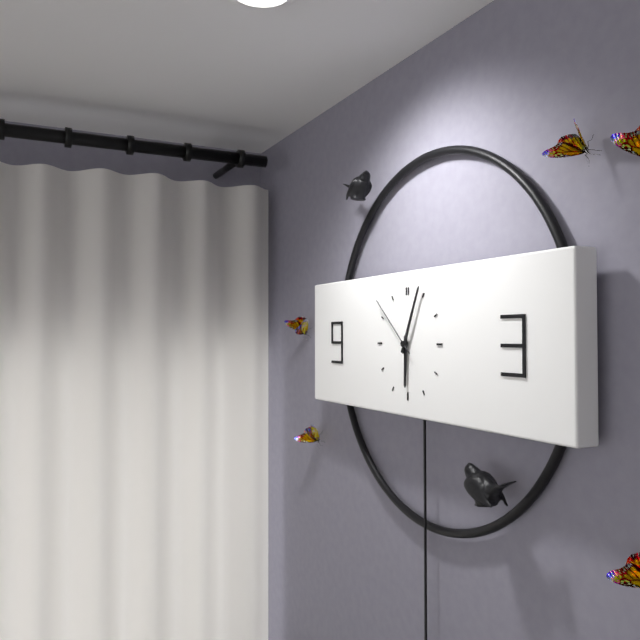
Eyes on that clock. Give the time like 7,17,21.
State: 6,04,52
